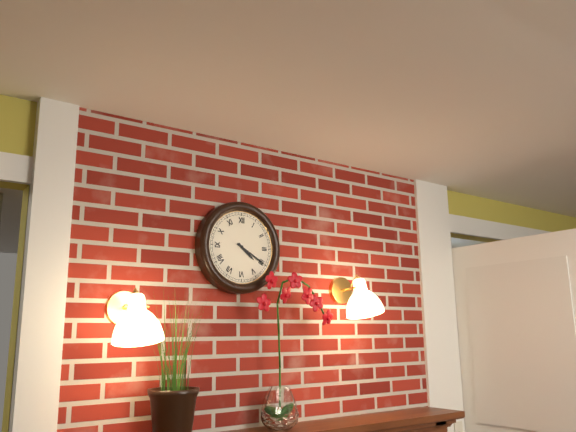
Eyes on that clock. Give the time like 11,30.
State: 4,20
